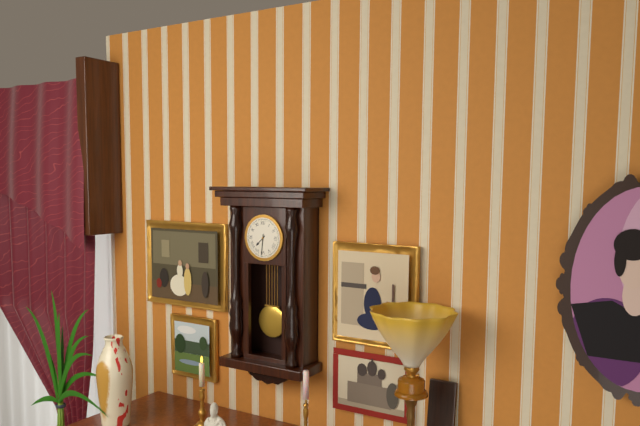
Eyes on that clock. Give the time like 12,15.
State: 7,31
